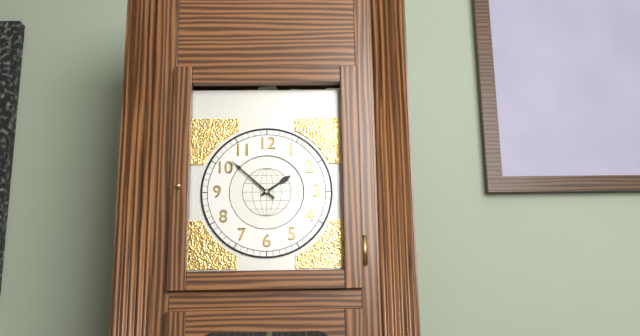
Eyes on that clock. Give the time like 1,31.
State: 1,52
